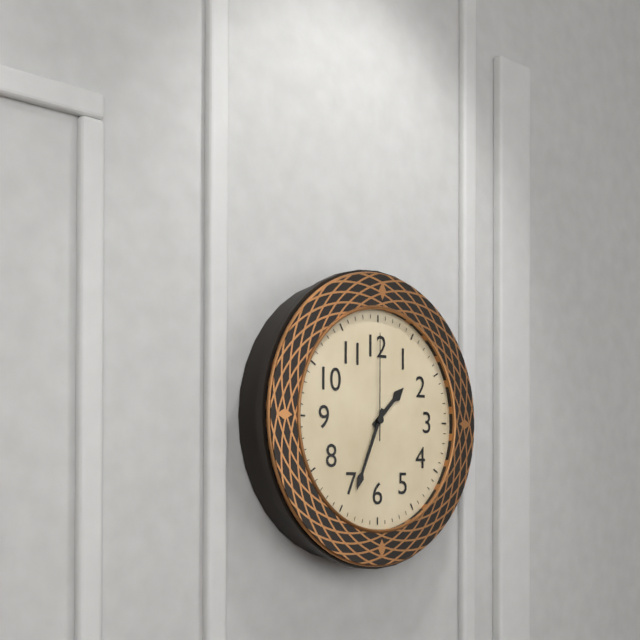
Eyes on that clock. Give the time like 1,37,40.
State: 1,34,00
